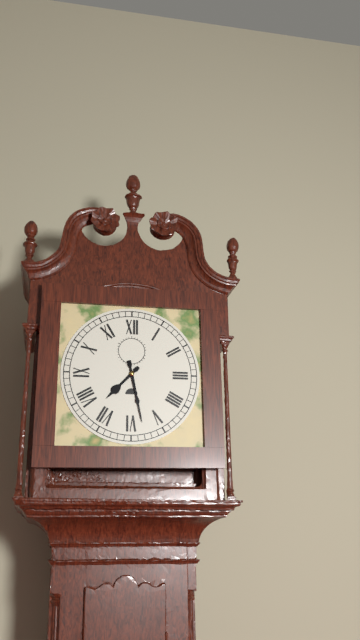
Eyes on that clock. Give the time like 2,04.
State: 7,28
